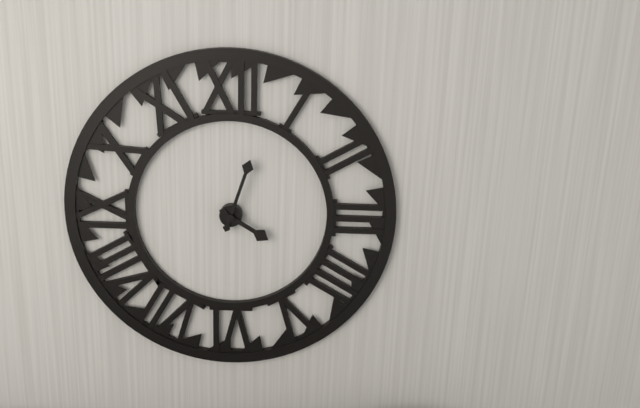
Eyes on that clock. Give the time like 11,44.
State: 4,03
